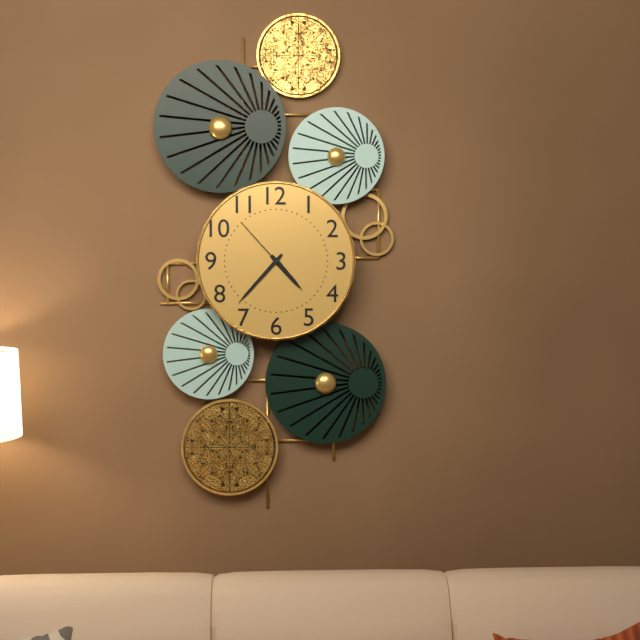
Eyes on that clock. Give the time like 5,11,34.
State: 4,37,53
